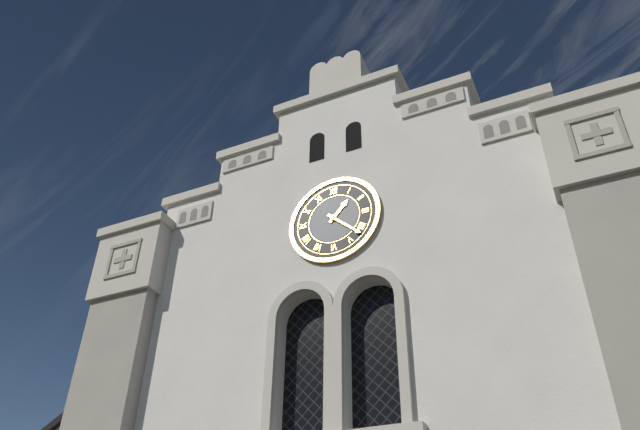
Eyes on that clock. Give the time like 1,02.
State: 1,22
